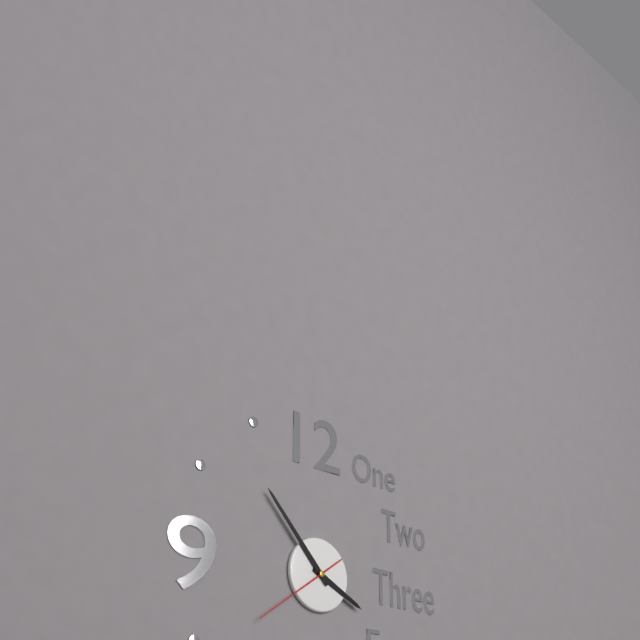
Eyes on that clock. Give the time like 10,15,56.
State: 3,53,39
